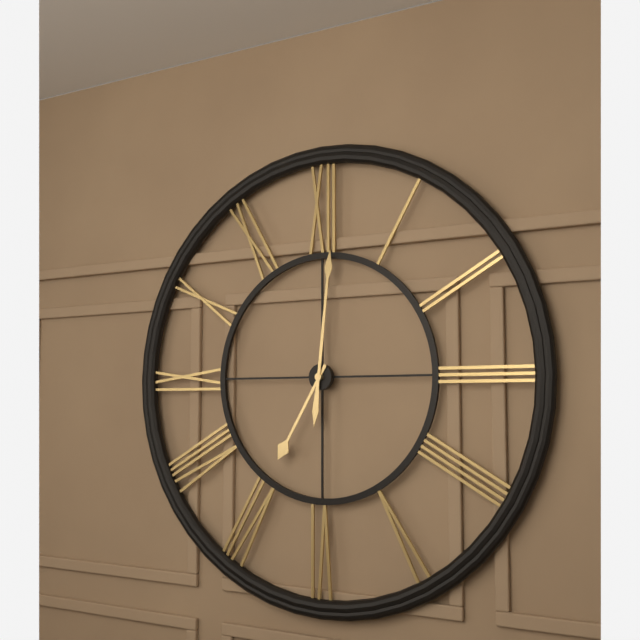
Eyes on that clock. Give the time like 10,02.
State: 7,01
